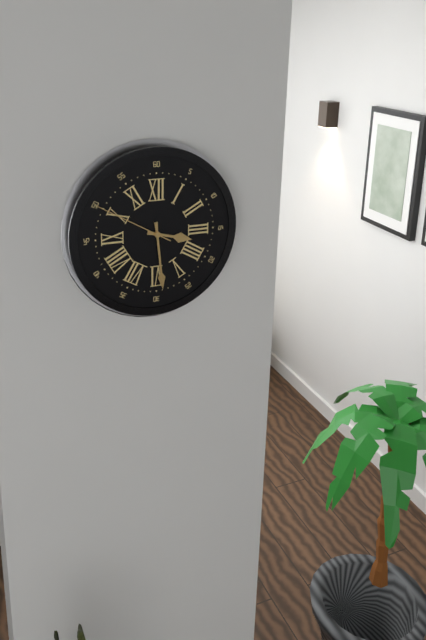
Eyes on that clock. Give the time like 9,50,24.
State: 3,29,50
